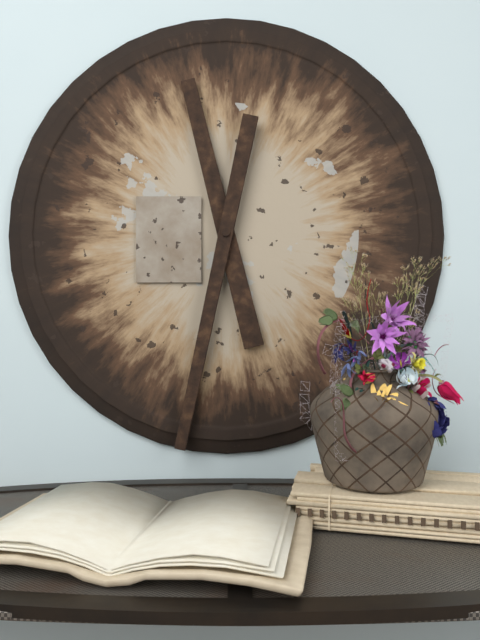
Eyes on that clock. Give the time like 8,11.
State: 11,32
